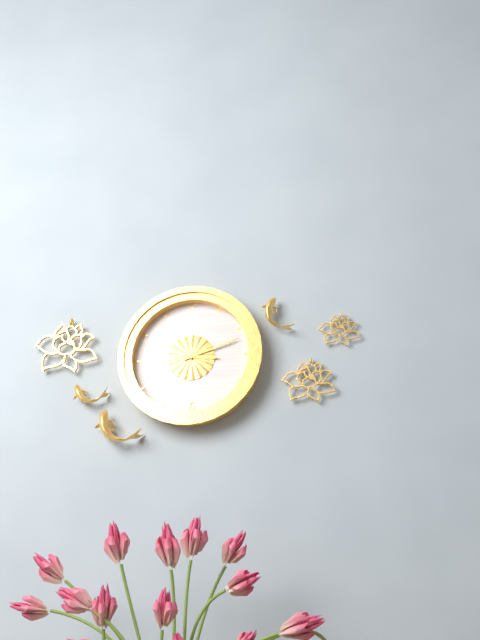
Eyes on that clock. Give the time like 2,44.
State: 3,12
